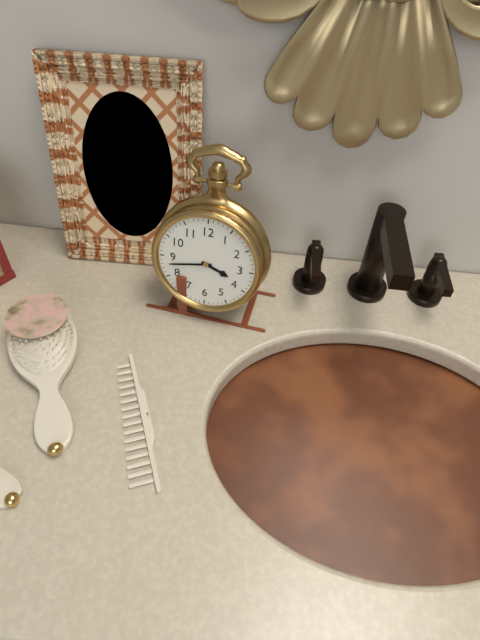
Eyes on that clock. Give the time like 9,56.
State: 3,43
